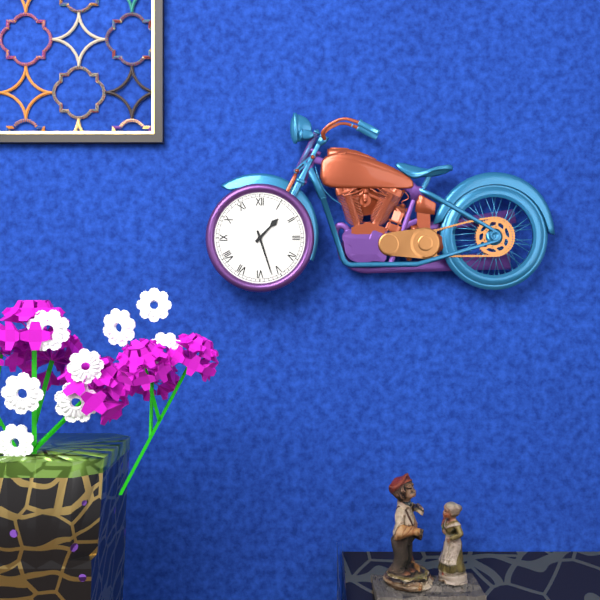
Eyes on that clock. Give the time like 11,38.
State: 1,27
